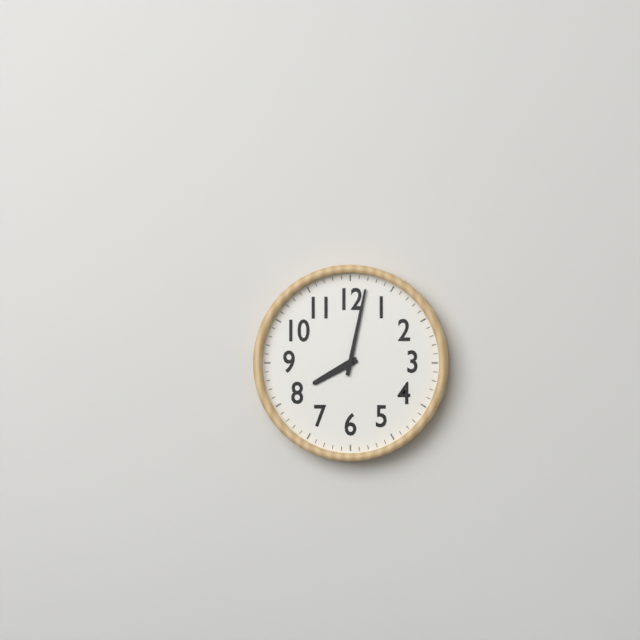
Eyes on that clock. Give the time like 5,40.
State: 8,02
